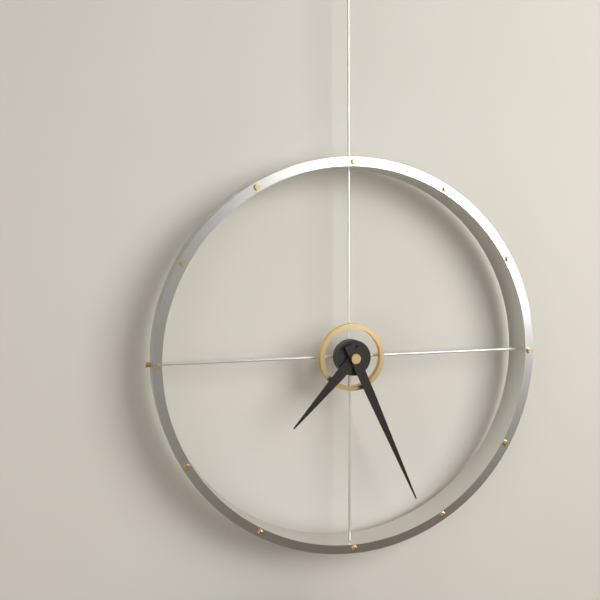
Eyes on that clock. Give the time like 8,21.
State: 7,26
